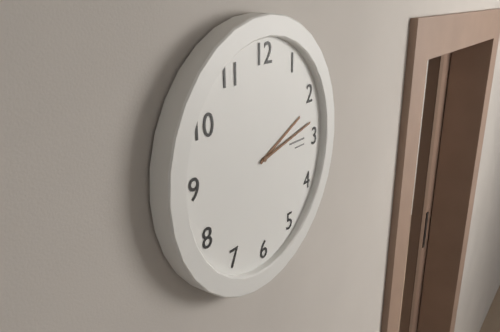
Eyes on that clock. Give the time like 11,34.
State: 2,13
